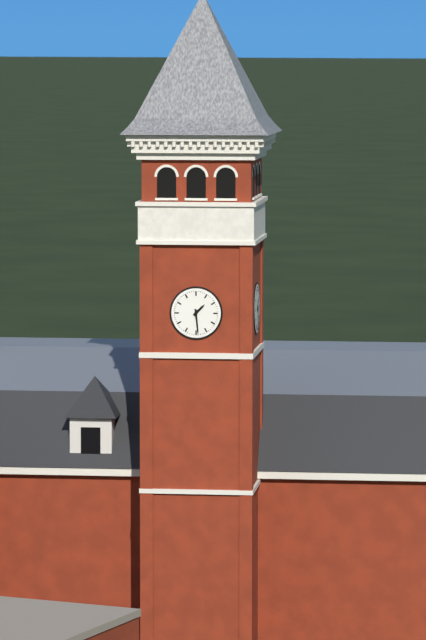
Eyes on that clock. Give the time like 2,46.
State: 1,29
